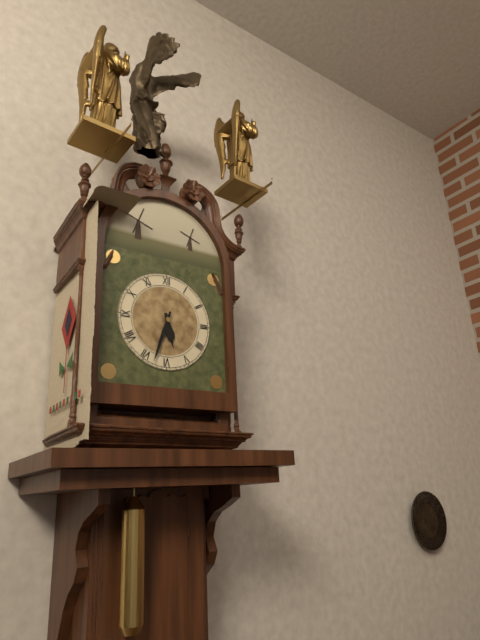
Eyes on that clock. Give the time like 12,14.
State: 5,33
